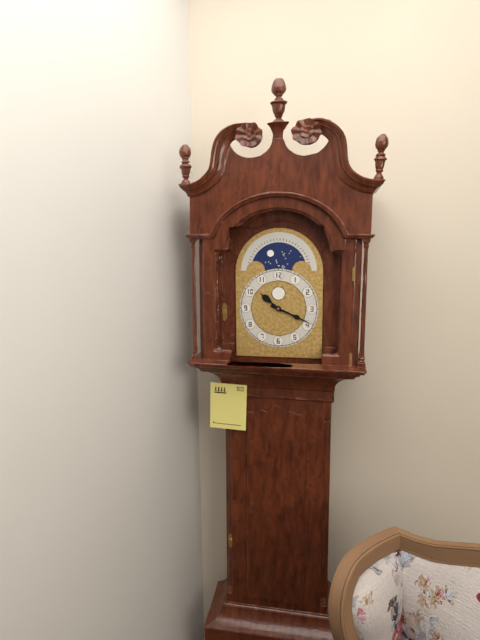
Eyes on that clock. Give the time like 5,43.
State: 10,19
